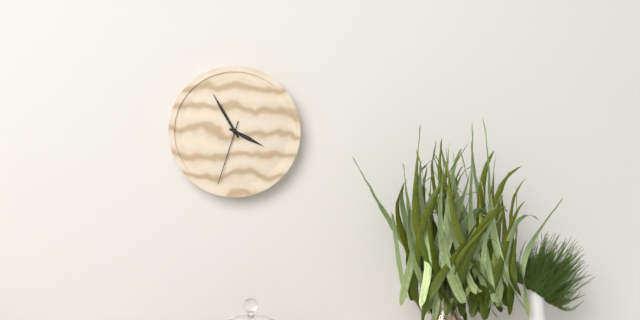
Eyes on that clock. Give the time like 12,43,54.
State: 3,55,33
